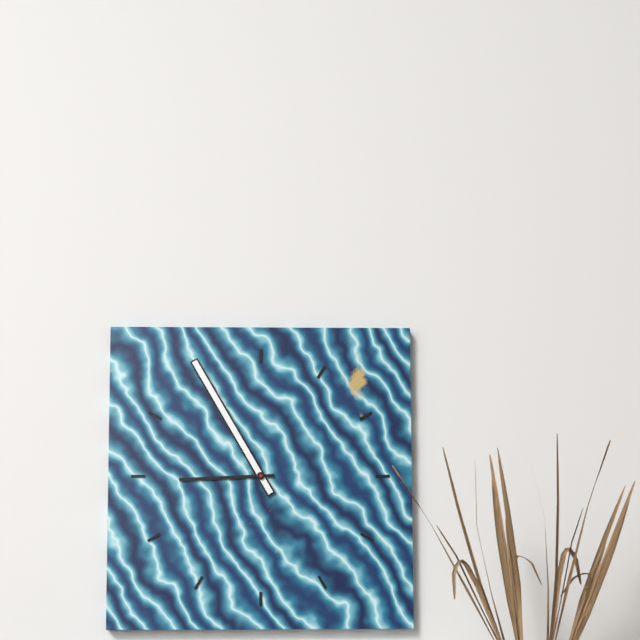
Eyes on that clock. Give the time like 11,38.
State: 8,55
